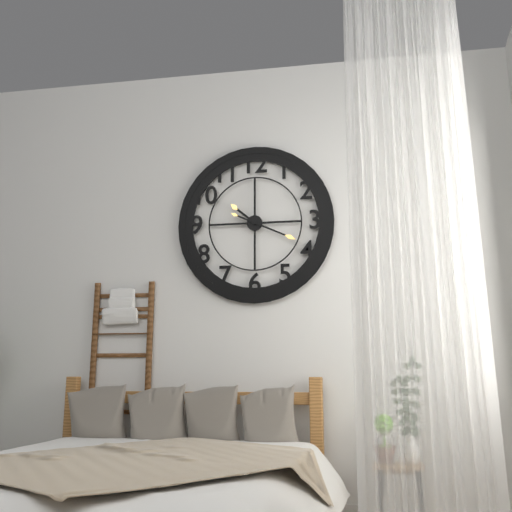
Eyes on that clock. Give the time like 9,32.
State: 10,19
